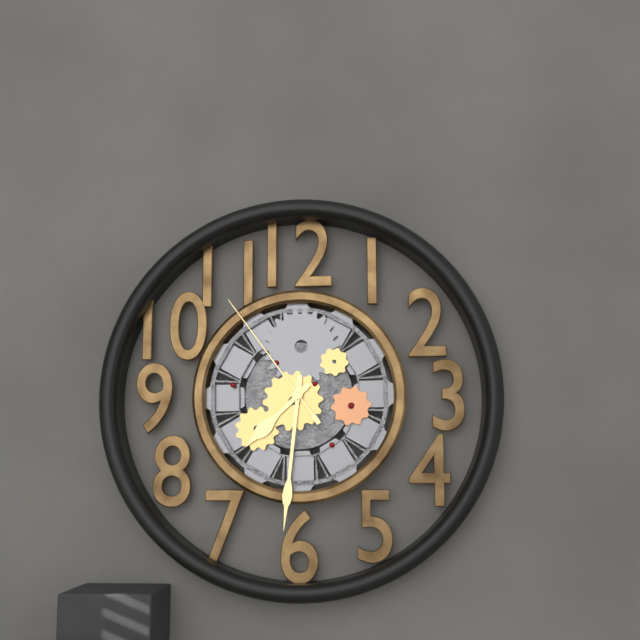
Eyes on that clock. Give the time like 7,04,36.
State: 7,31,54
